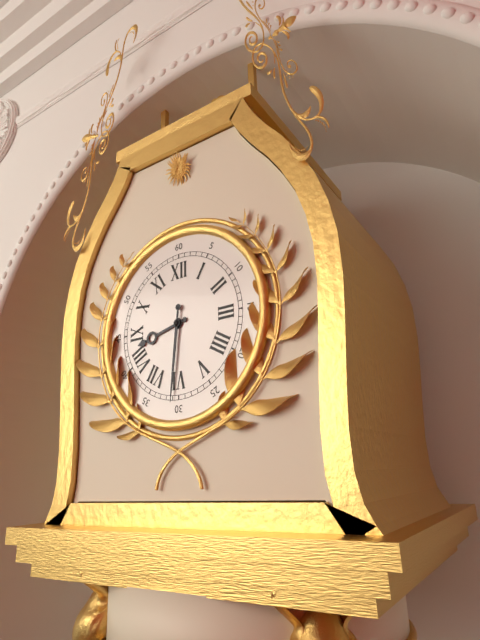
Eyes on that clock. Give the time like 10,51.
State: 8,31
